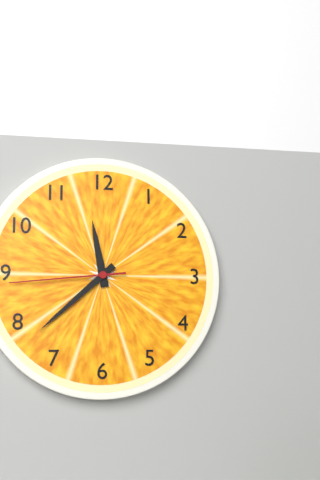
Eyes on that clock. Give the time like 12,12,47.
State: 11,38,44
